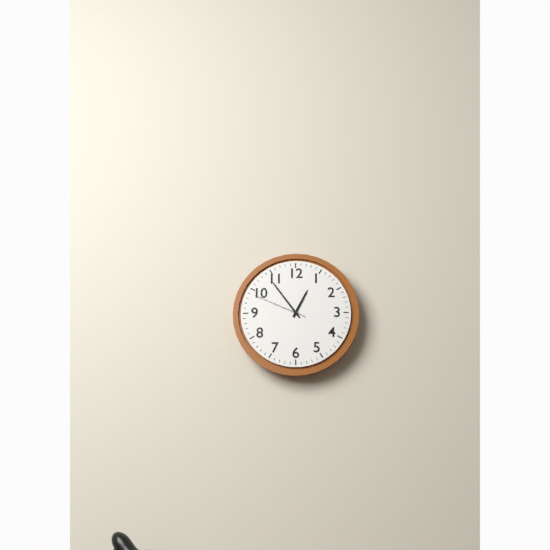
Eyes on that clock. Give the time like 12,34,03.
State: 12,54,49
